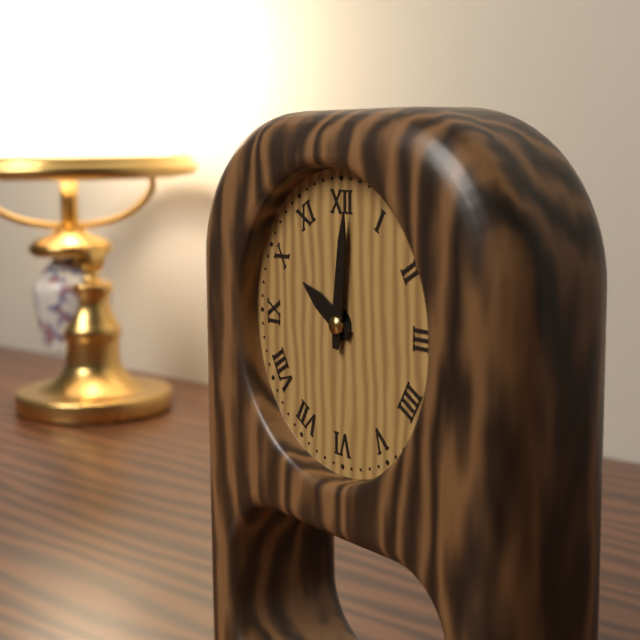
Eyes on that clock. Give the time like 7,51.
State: 10,01
